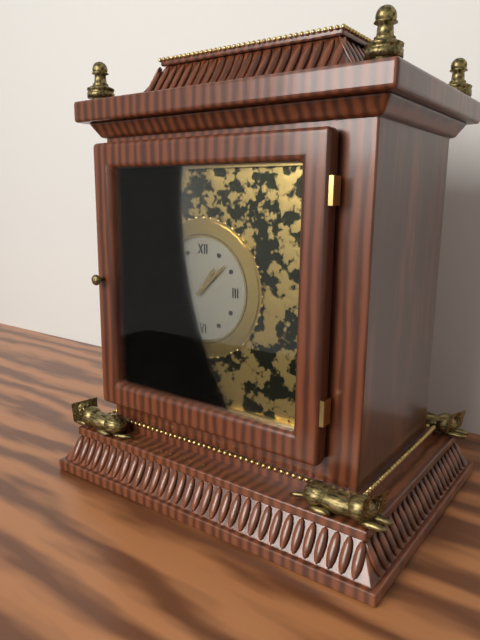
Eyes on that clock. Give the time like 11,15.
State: 1,08
